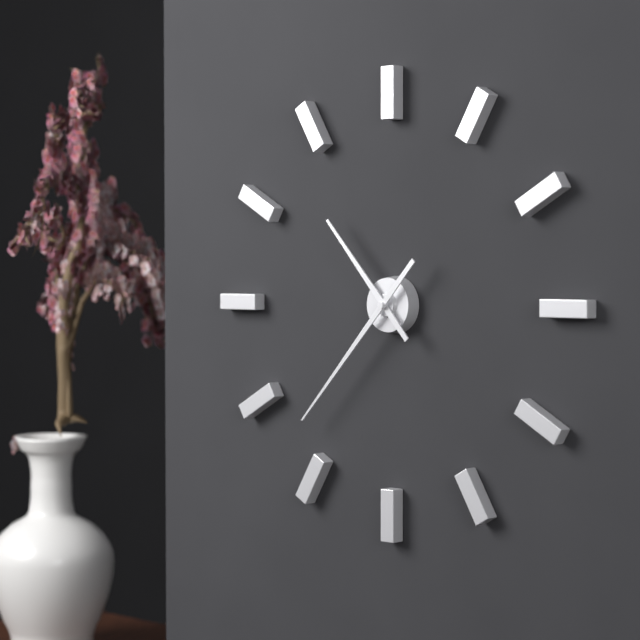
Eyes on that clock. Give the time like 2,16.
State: 10,37
